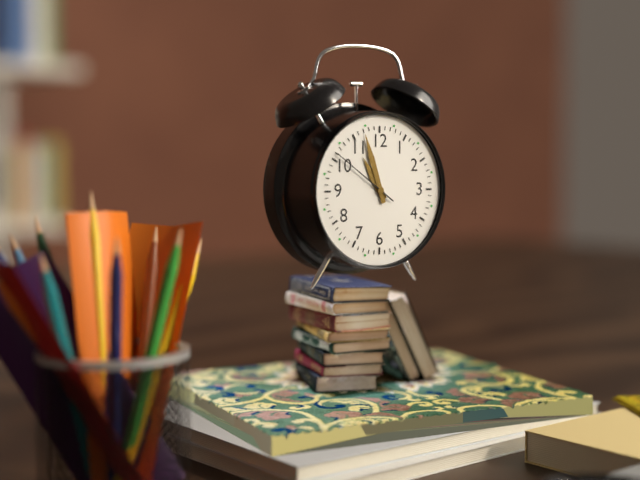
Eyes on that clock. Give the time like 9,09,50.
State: 10,57,51
